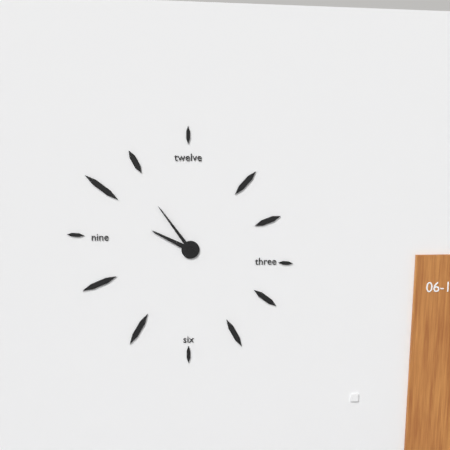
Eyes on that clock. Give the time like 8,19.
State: 9,54
